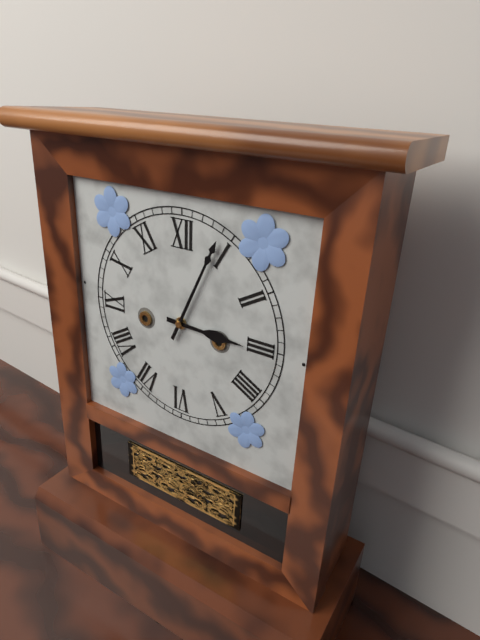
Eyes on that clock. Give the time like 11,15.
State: 3,04
